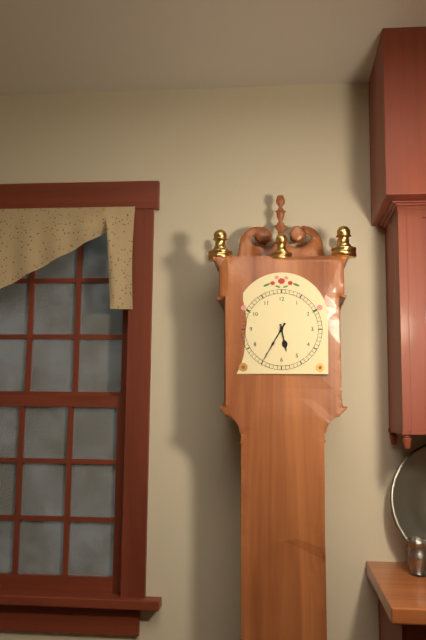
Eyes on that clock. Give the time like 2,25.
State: 5,35
